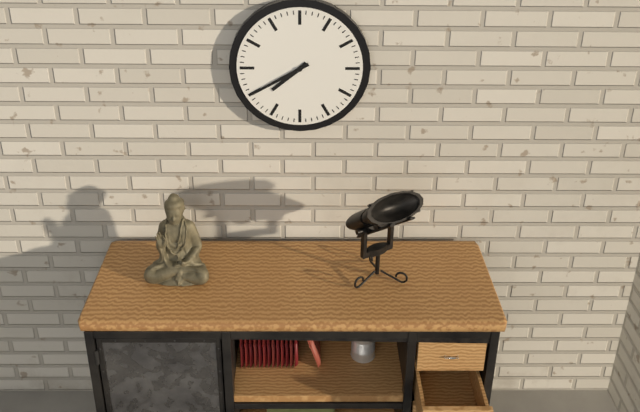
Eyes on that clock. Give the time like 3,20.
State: 7,40
